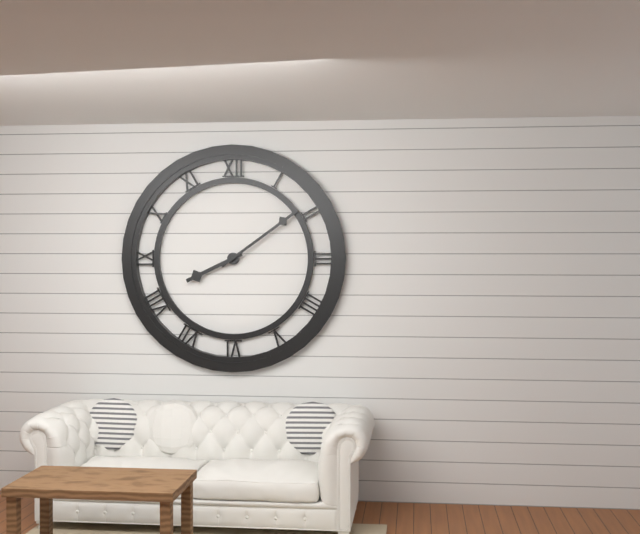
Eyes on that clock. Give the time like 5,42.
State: 8,09
